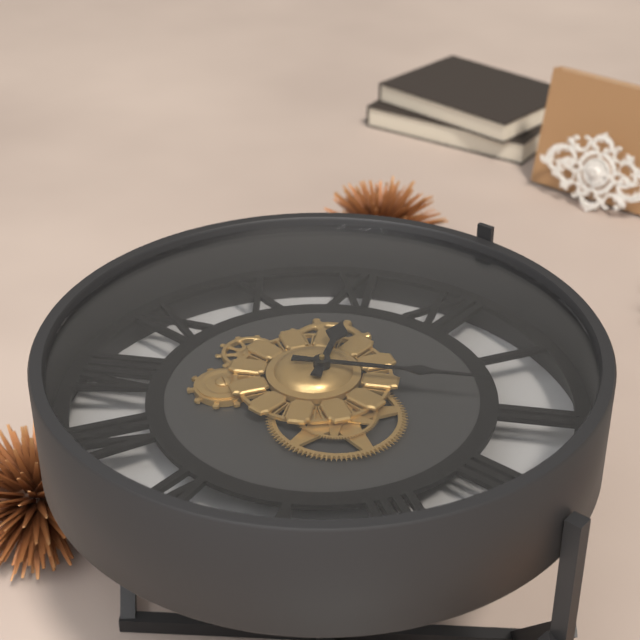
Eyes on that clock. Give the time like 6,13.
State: 11,10
